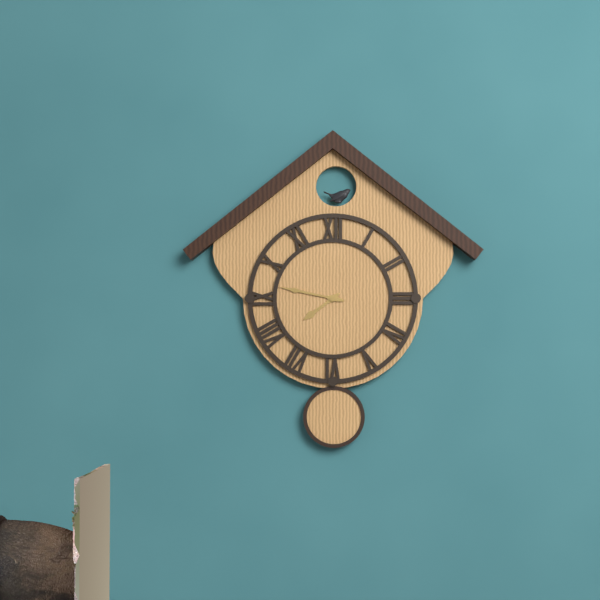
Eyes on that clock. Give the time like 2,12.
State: 7,47
